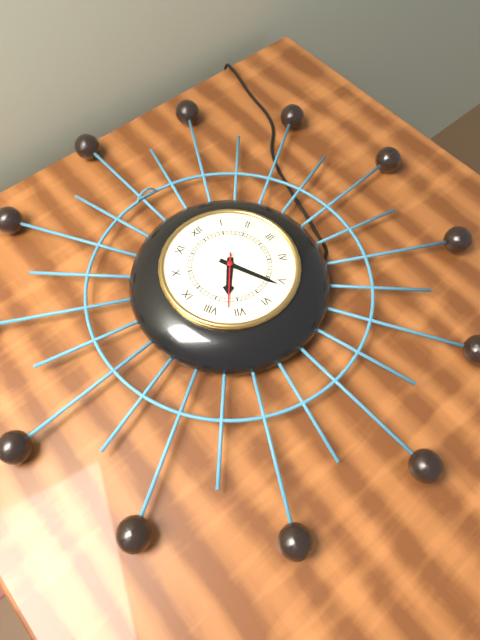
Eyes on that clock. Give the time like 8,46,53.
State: 7,26,37
